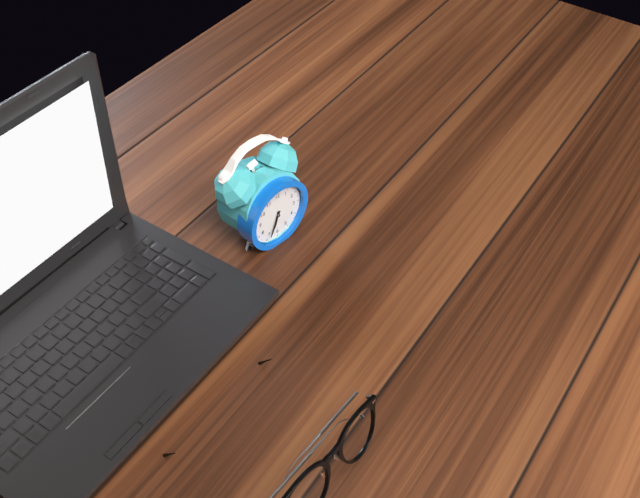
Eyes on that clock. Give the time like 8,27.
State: 6,34
